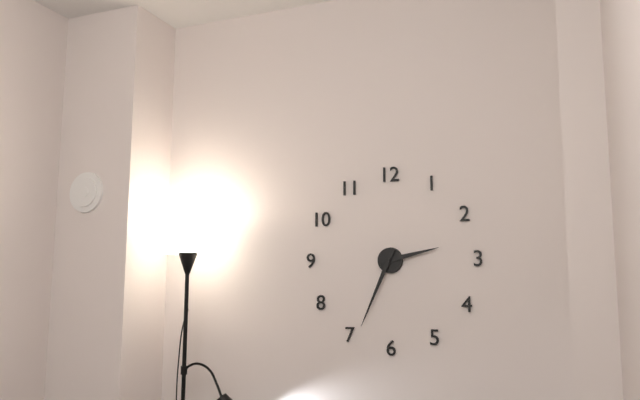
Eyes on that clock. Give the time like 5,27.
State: 2,34
